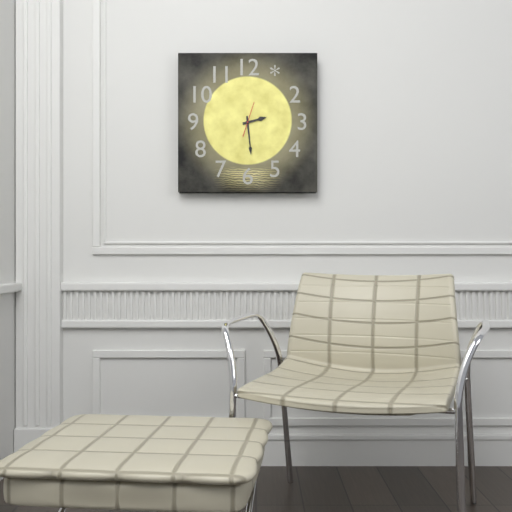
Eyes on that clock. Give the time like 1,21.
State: 2,29
